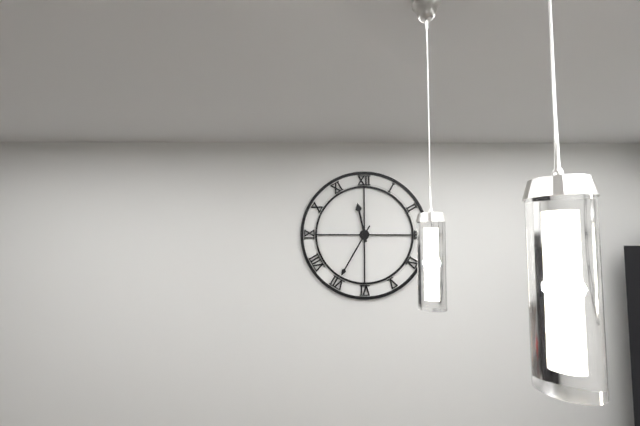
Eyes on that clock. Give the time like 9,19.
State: 11,35
